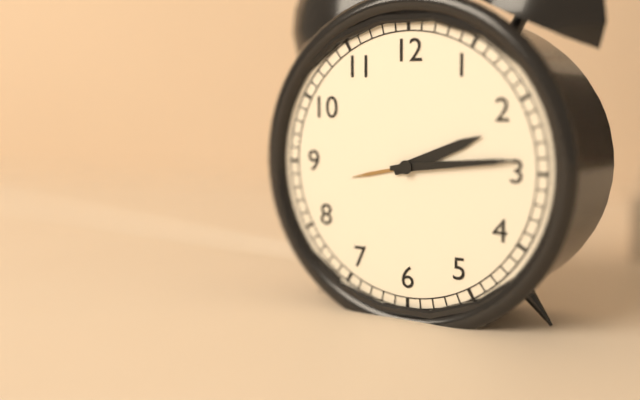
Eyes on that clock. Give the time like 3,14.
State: 2,14
